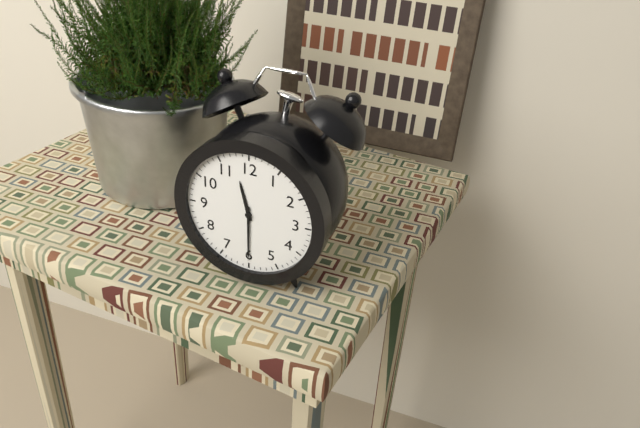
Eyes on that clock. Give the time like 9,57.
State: 11,30
